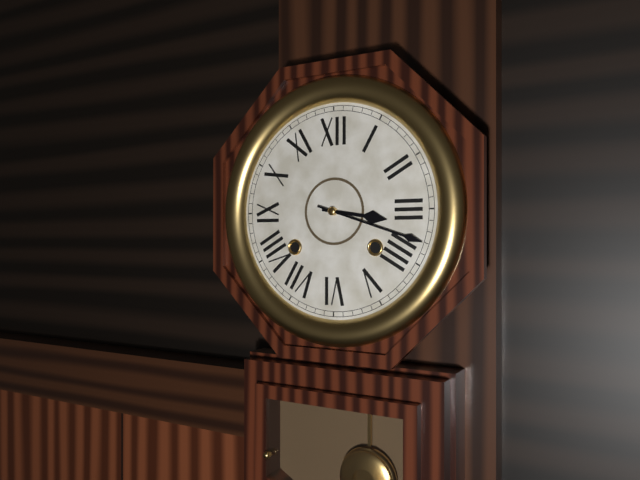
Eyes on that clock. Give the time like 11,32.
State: 3,18
